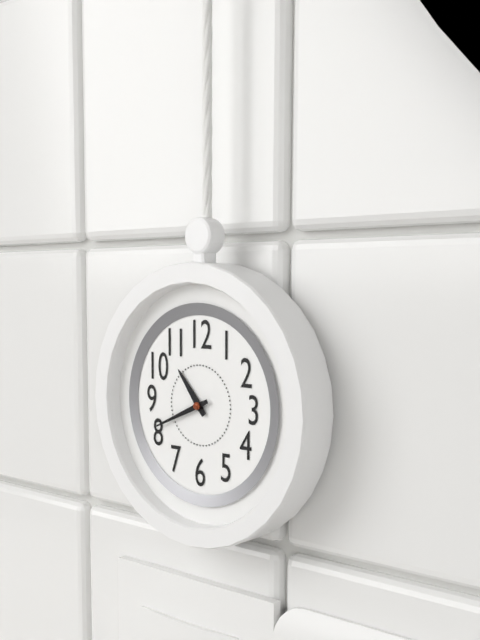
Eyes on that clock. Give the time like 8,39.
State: 10,41
